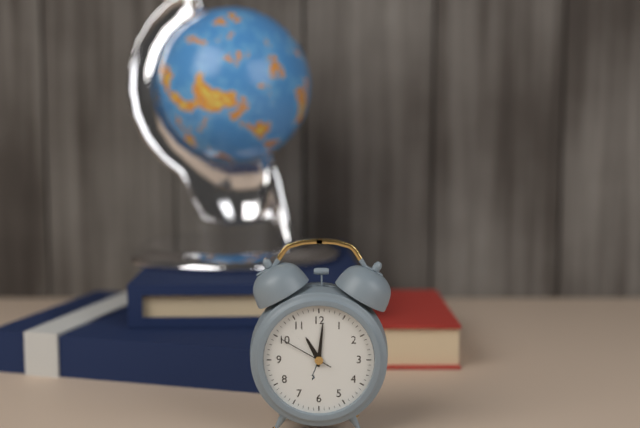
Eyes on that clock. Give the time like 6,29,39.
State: 11,01,50
